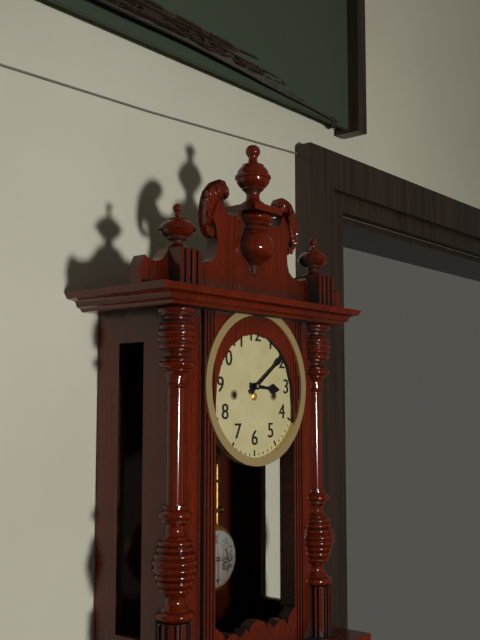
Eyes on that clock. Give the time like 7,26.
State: 3,09
